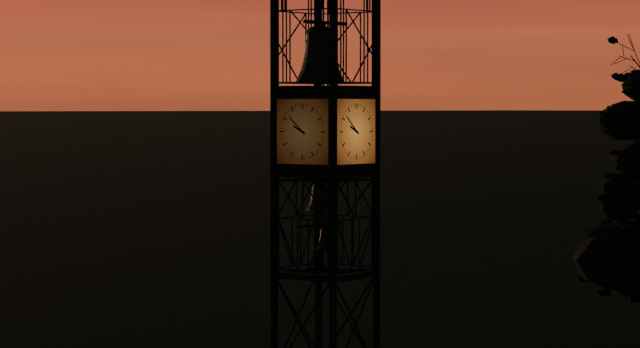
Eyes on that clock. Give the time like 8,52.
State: 9,52
